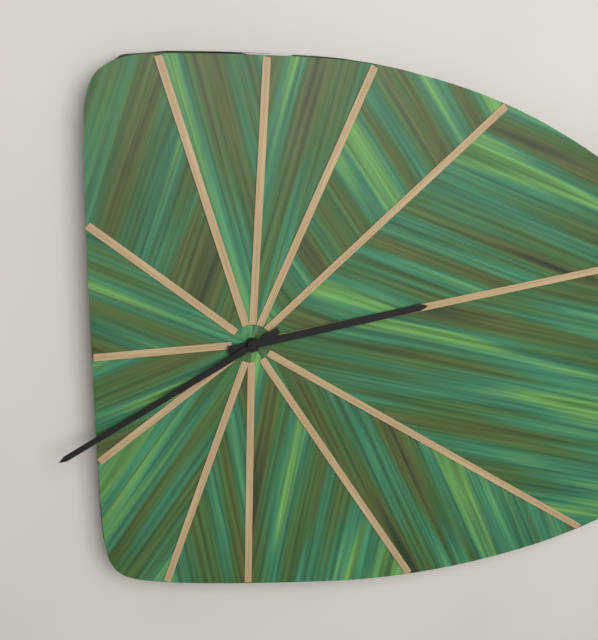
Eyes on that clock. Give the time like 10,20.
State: 2,40
